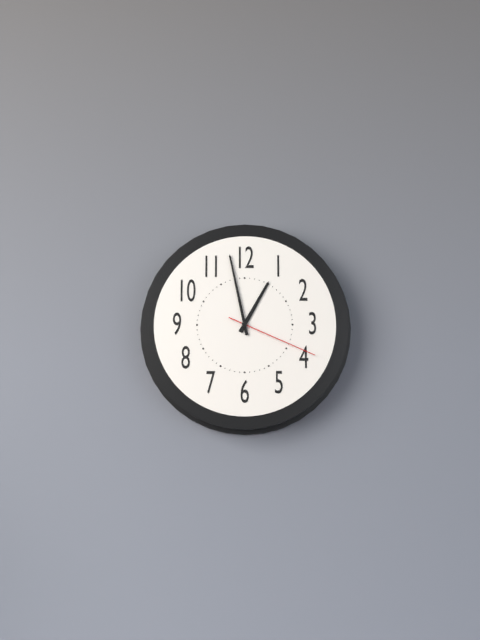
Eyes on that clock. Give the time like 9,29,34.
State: 12,58,19
